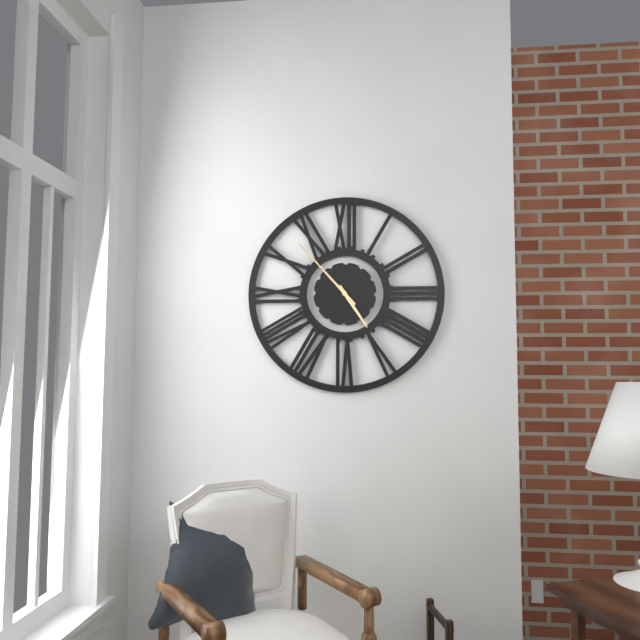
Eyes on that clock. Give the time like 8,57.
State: 4,53
